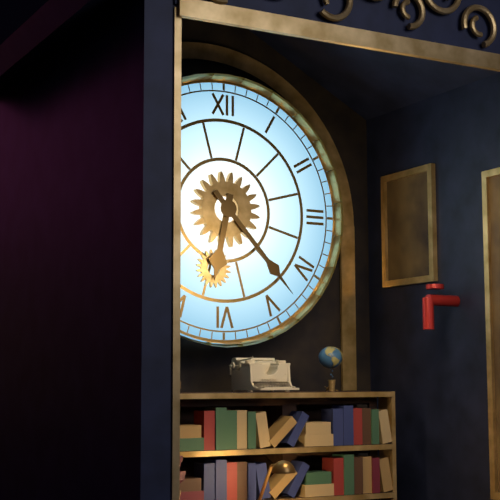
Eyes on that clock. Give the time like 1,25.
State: 6,23
